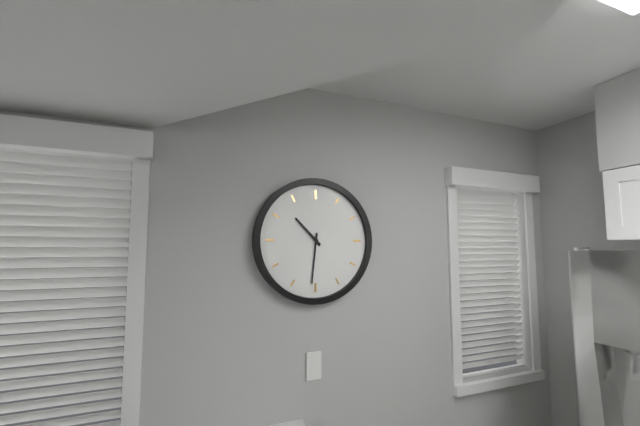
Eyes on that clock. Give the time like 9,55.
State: 10,31
